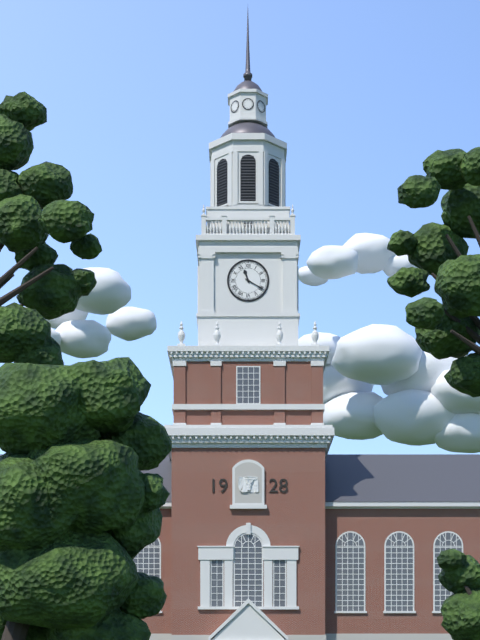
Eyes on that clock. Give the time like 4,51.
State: 11,20
